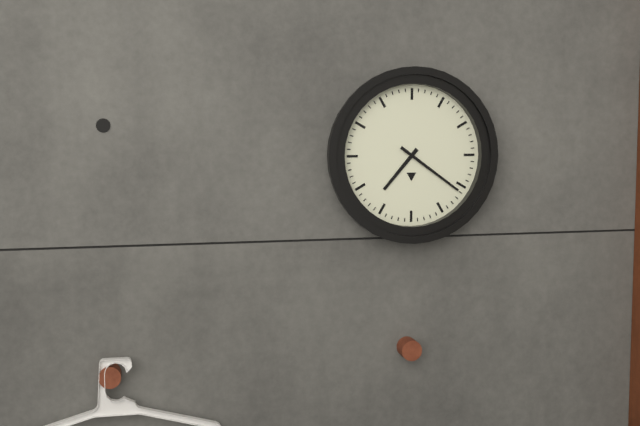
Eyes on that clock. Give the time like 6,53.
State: 7,21
